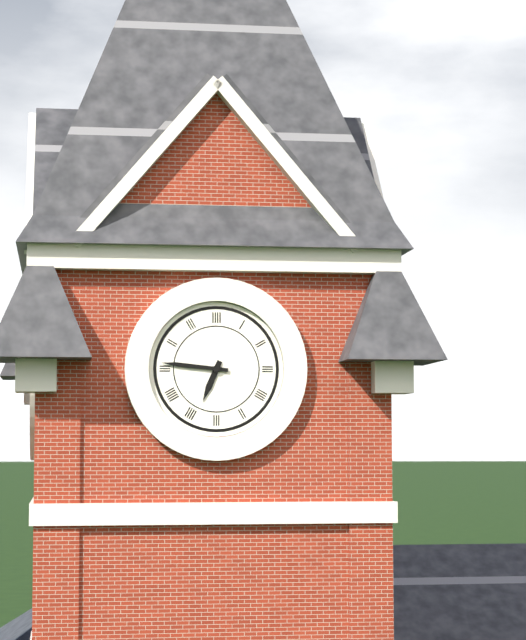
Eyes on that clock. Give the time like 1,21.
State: 6,46
